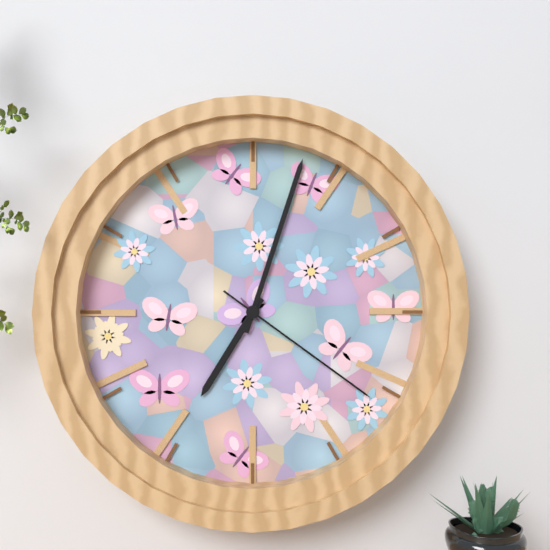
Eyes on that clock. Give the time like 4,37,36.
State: 7,03,21
